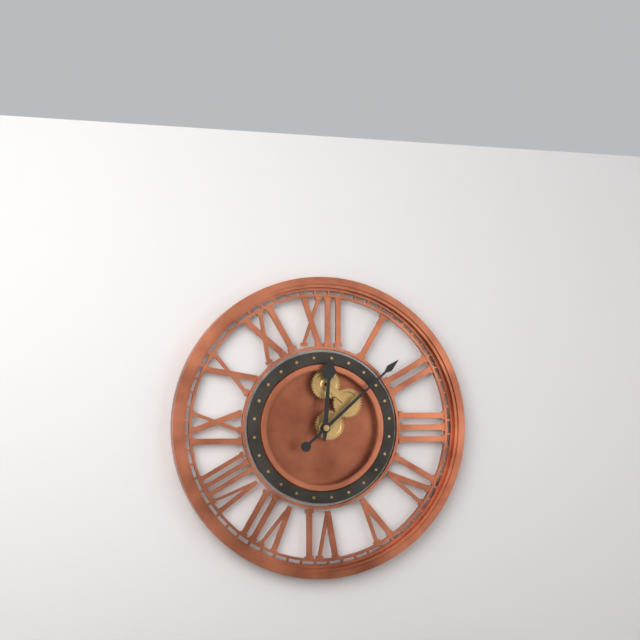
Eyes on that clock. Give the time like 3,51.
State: 12,08
